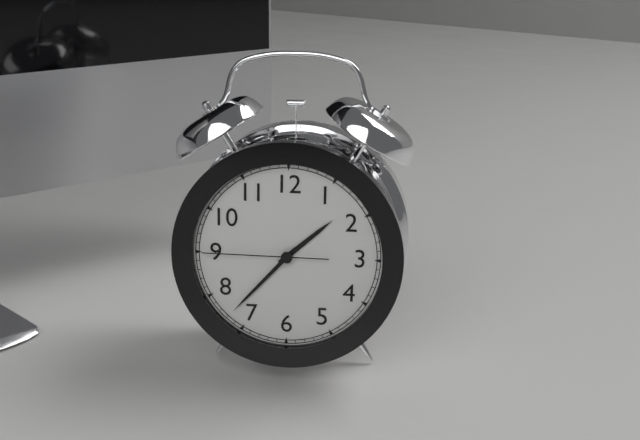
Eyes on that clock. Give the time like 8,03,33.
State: 1,37,45
